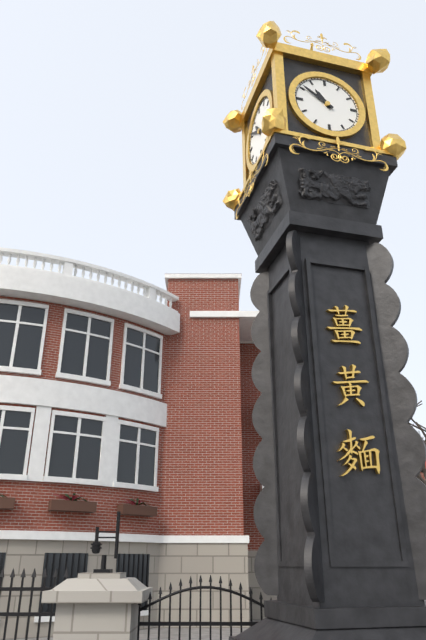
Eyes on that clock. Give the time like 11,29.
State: 10,51
